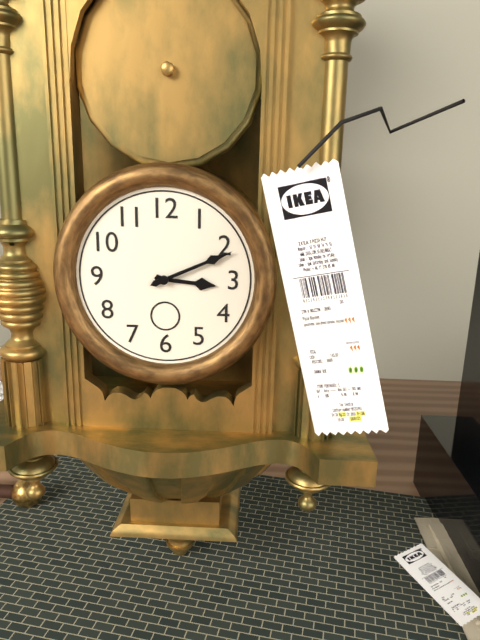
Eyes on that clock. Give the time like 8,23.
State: 3,11
